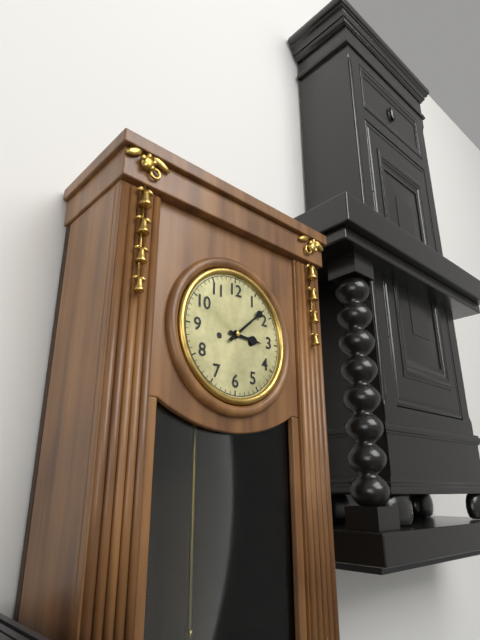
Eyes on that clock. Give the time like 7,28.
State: 3,08
